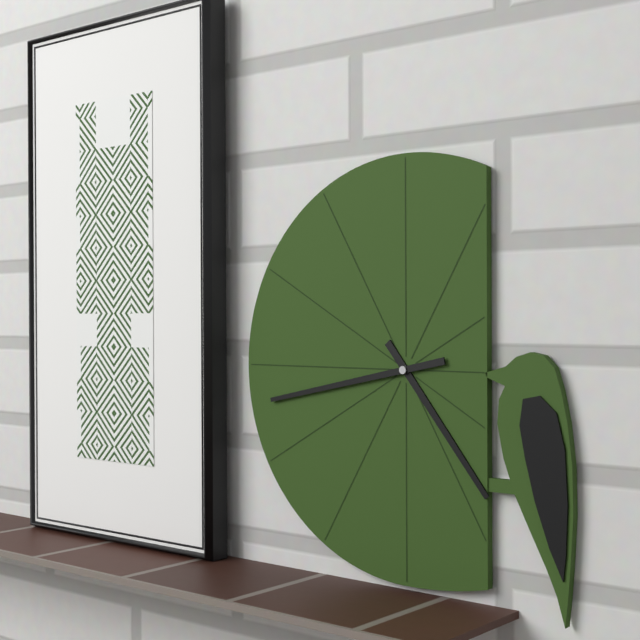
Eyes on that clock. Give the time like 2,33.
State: 4,43
